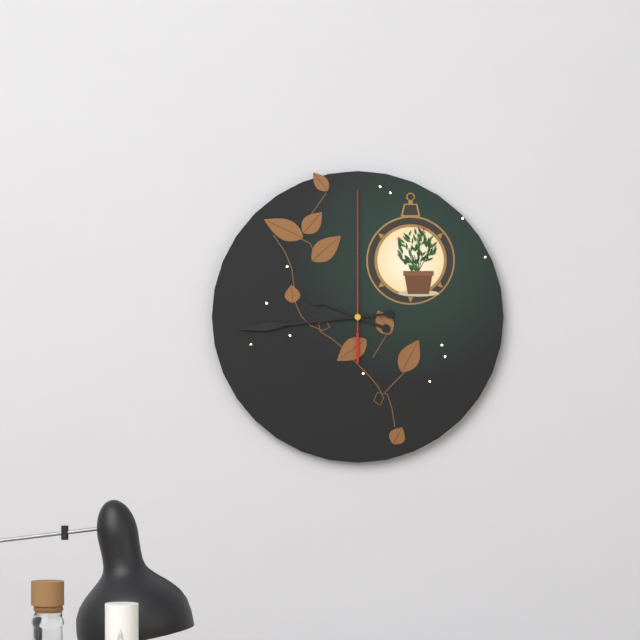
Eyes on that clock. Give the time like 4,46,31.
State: 9,44,00
